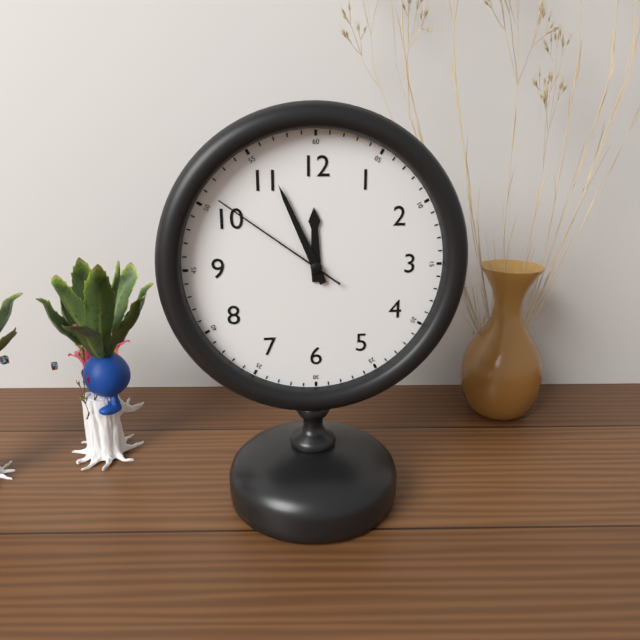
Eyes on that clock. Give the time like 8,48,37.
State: 11,56,51
